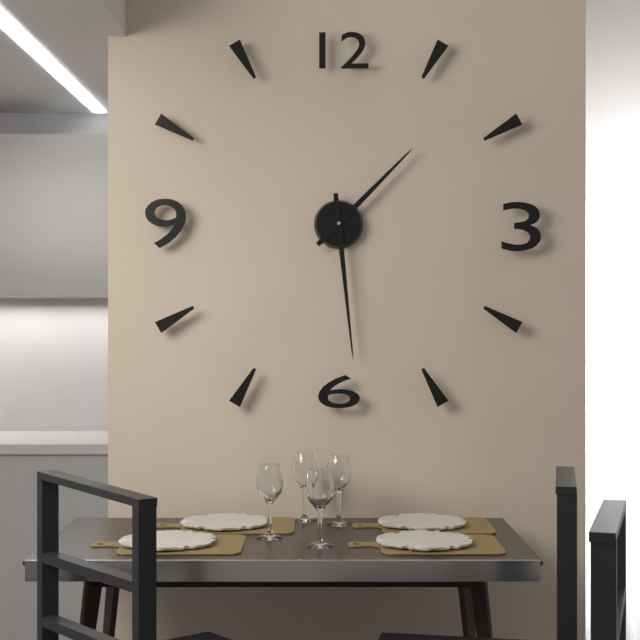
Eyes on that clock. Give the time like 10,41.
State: 1,29
